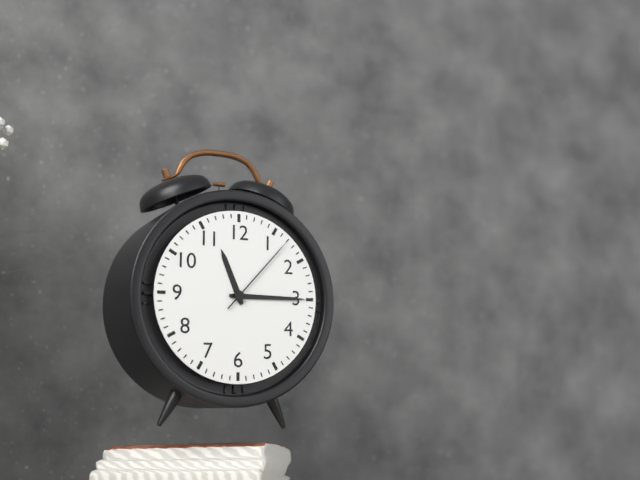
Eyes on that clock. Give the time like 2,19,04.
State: 11,15,07
